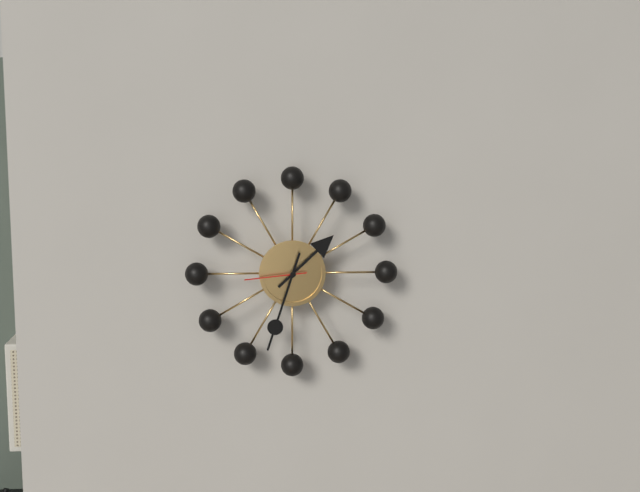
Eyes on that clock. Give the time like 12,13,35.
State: 1,33,44
